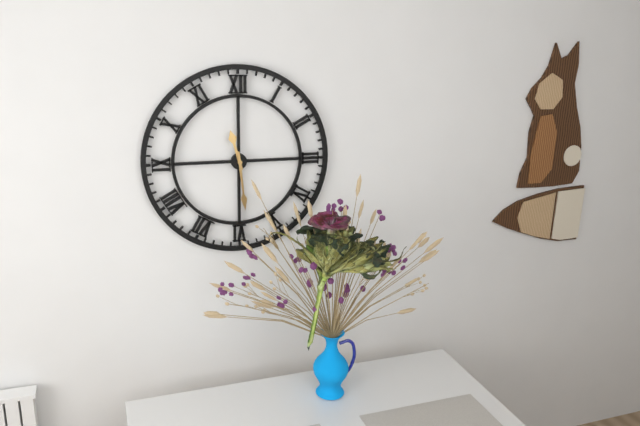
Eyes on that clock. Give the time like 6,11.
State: 11,29
